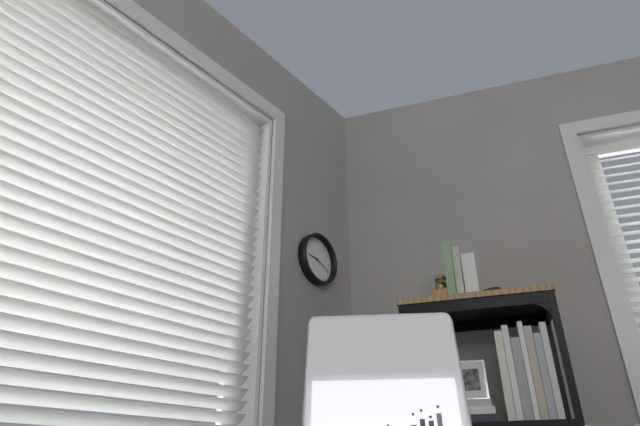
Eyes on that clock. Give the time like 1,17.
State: 9,19
